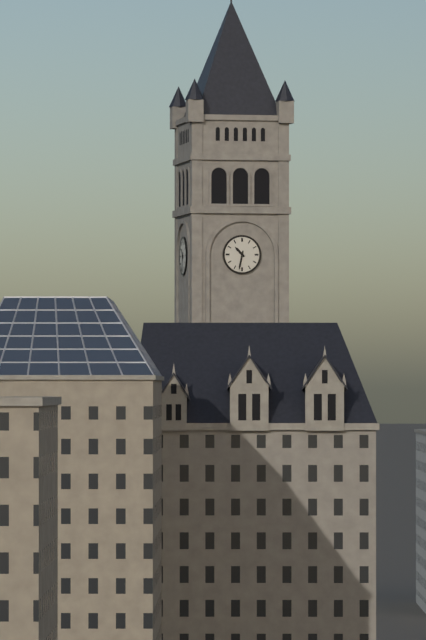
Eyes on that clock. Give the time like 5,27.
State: 10,32
